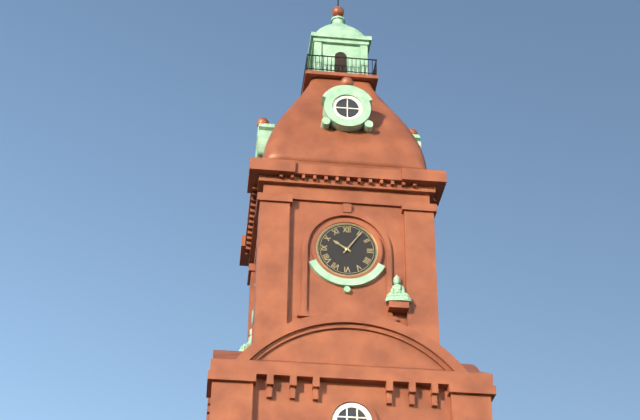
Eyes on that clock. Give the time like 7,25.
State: 10,06
